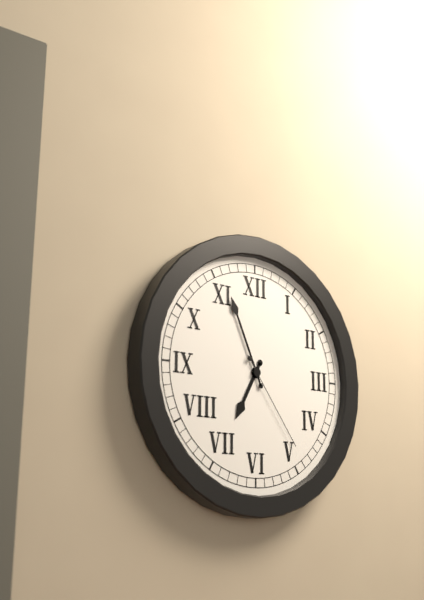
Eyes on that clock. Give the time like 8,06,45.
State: 6,56,24
